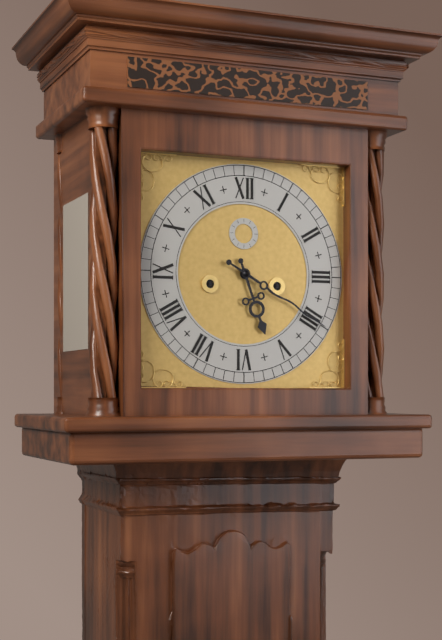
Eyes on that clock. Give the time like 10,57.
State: 5,20
